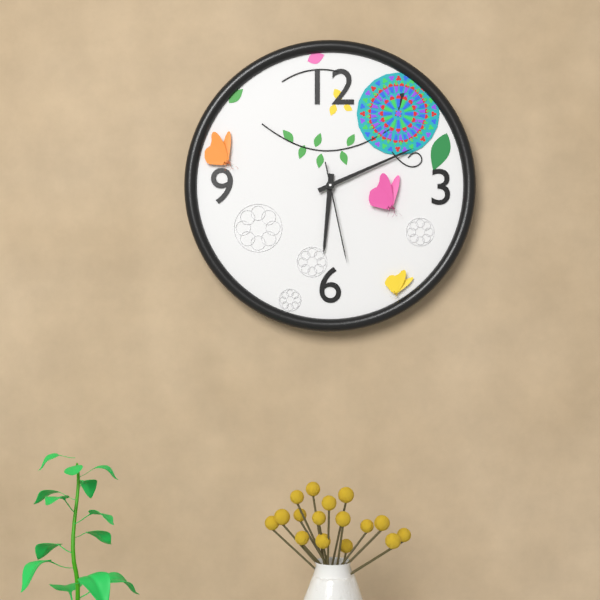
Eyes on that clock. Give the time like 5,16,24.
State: 6,11,28
